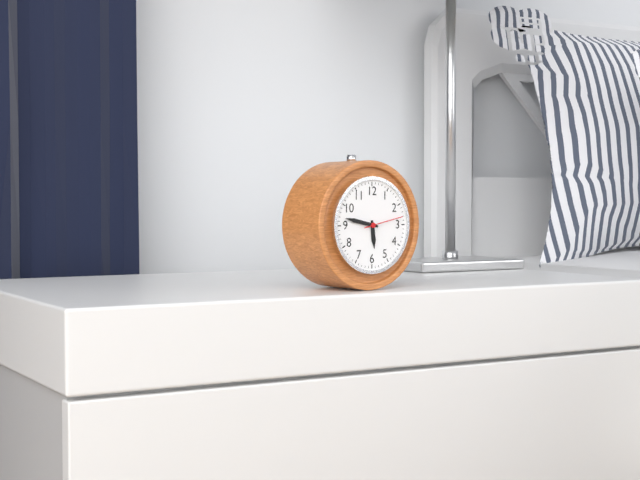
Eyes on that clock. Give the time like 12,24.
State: 5,47
